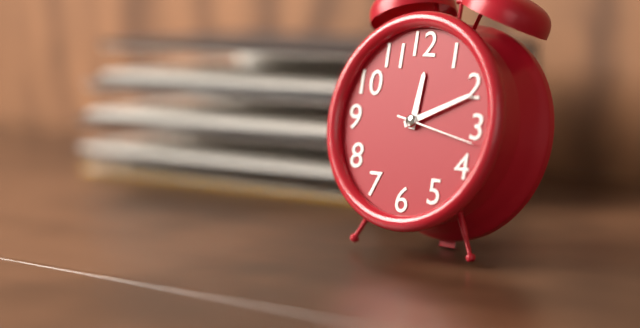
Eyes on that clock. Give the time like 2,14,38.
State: 12,11,17
